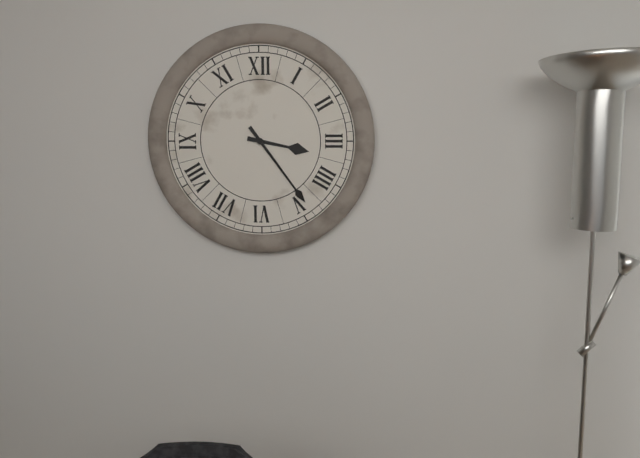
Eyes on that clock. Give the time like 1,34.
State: 3,24
